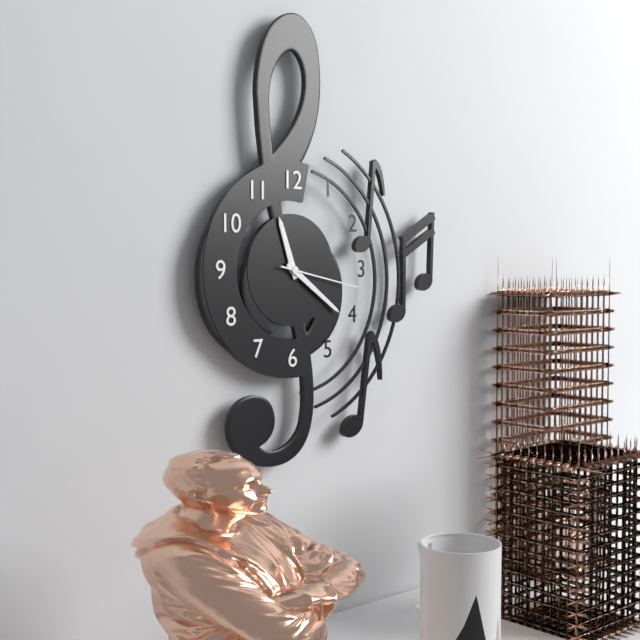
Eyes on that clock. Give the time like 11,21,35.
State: 11,21,17
